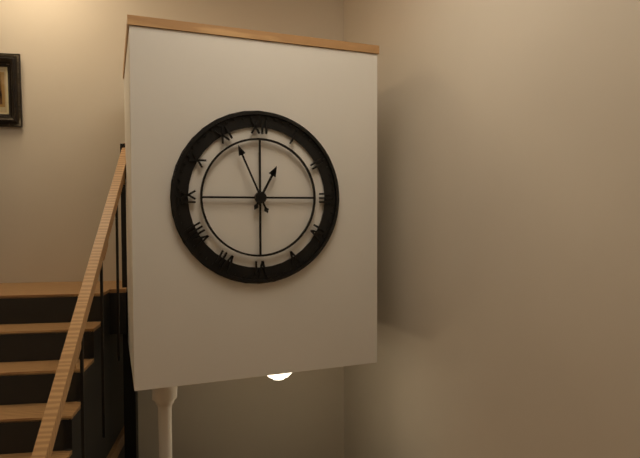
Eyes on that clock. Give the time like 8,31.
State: 12,56
